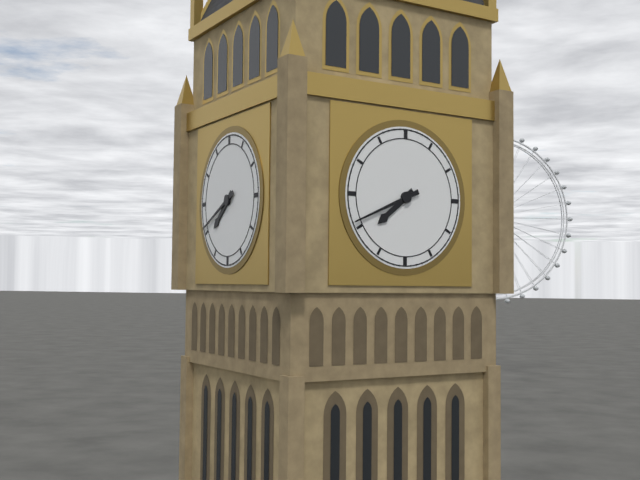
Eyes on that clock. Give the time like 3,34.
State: 7,41
